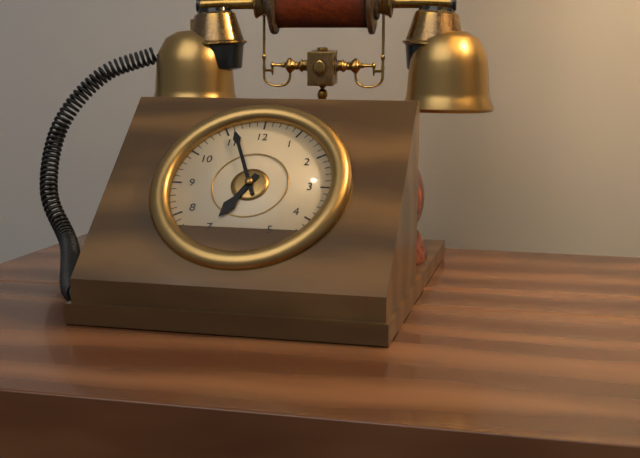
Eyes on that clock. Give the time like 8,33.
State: 6,56
